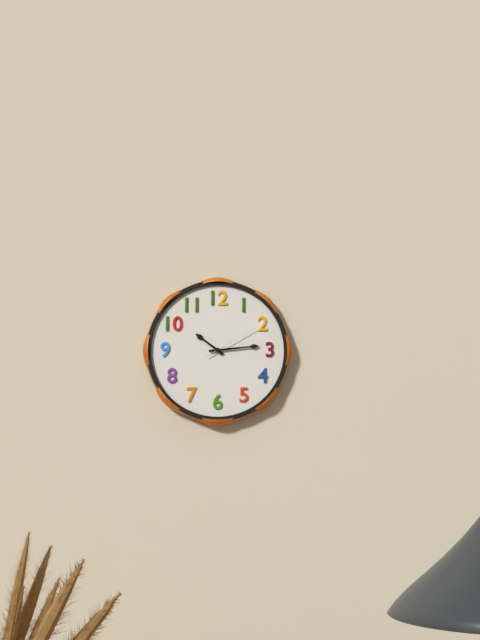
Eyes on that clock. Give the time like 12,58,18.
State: 10,14,10
